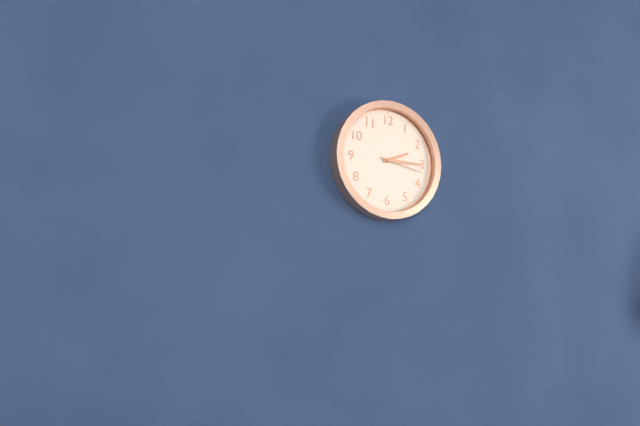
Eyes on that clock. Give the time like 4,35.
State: 2,15
